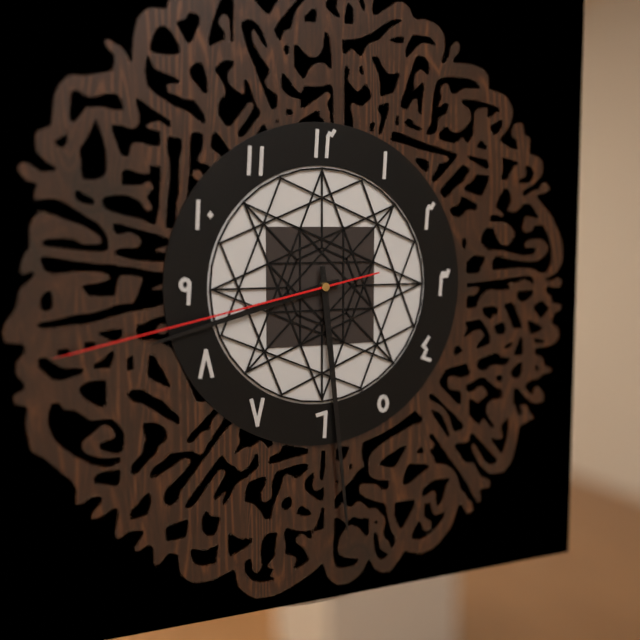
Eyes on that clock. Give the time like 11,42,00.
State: 8,29,43
